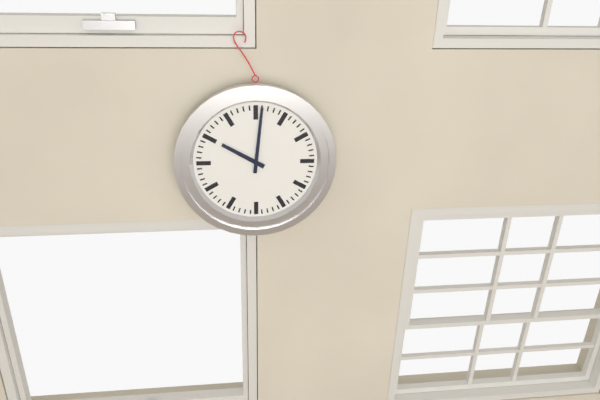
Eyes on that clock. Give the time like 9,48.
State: 10,01
